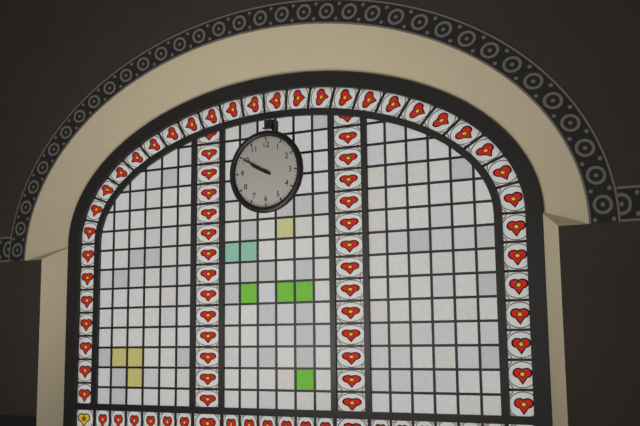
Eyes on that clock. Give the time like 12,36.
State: 9,50
